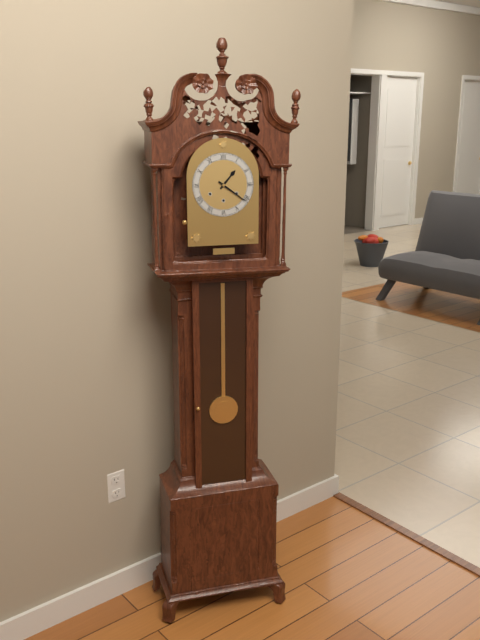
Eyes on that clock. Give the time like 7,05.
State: 1,21
